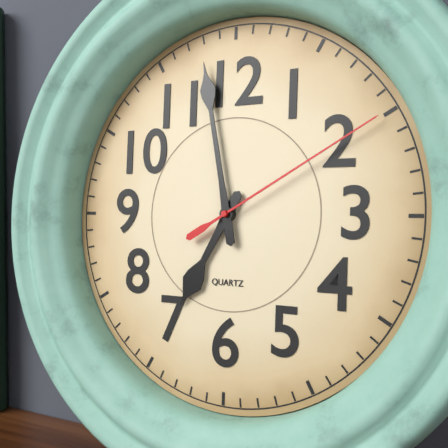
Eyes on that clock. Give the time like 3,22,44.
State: 6,58,10
